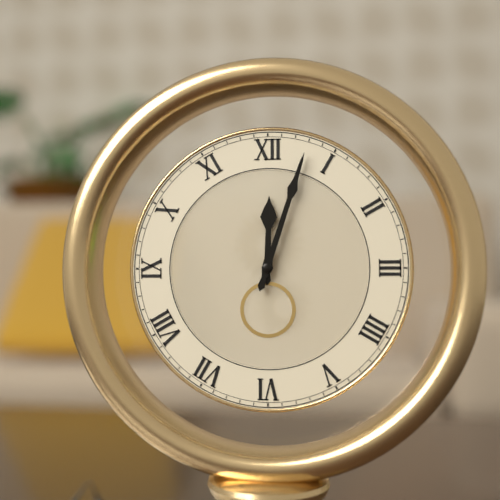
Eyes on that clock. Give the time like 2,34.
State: 12,03
